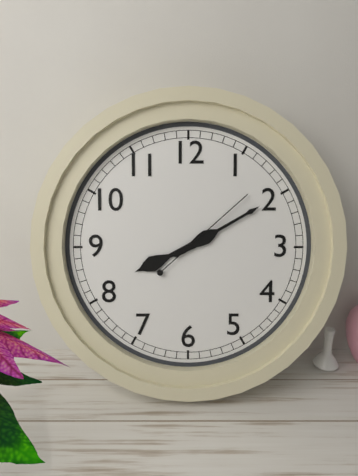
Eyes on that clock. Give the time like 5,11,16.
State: 8,10,08
